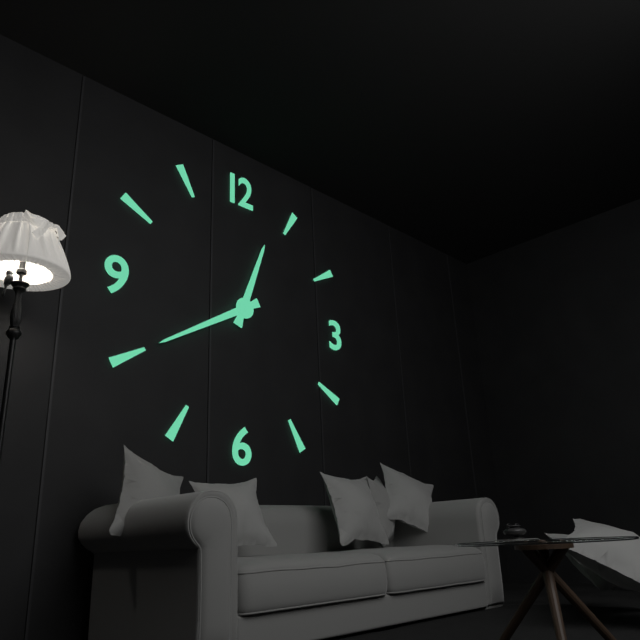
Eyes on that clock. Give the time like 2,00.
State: 12,40
